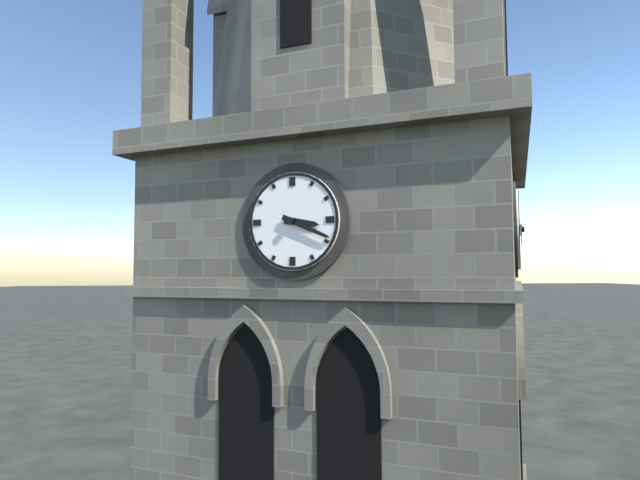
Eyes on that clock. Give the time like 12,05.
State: 3,19
